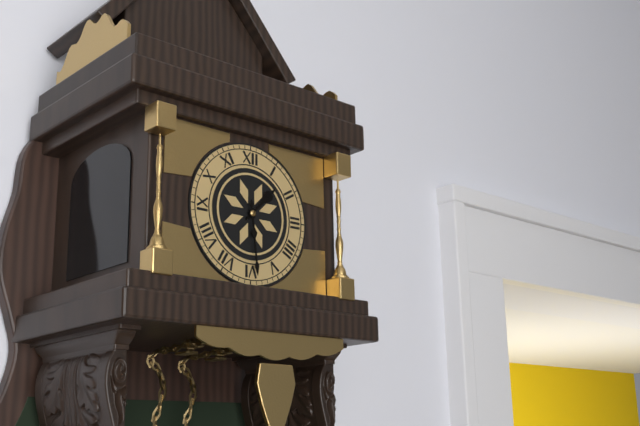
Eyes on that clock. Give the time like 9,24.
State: 1,29
